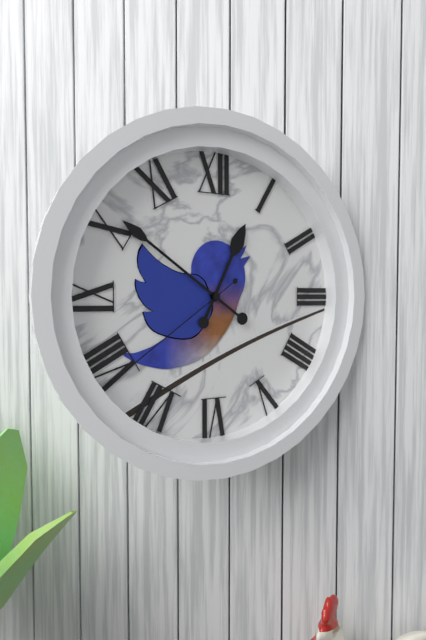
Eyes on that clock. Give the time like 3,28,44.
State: 12,51,39
